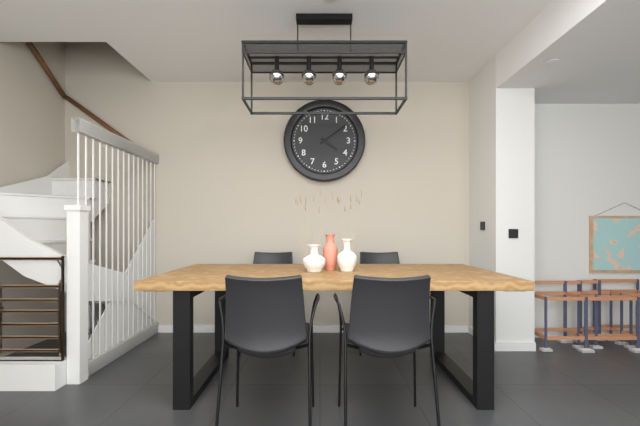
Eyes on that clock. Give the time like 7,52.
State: 4,09
